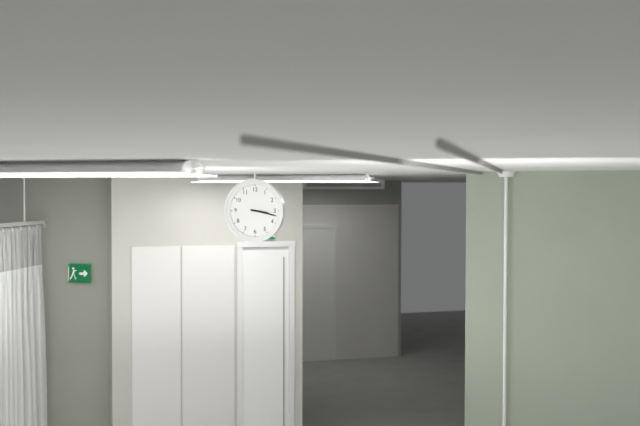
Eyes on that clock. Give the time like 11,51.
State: 3,17
